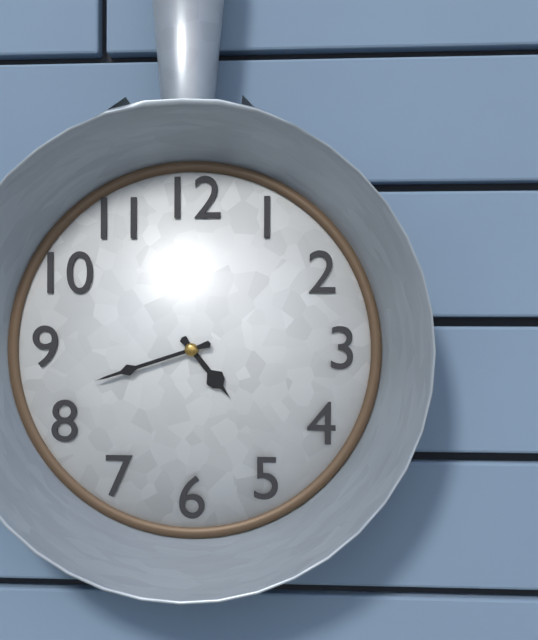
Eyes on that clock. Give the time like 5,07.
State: 4,42
